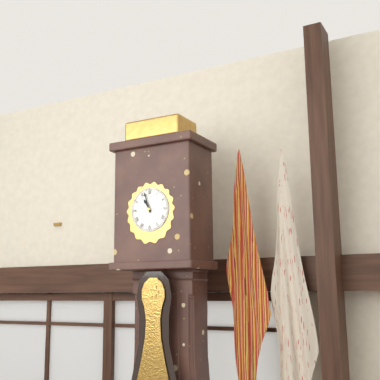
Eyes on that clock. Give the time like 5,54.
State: 10,57
